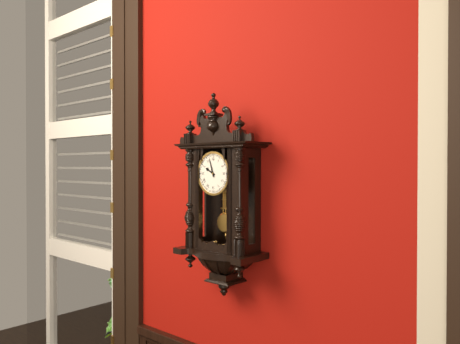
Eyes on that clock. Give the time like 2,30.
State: 9,57
